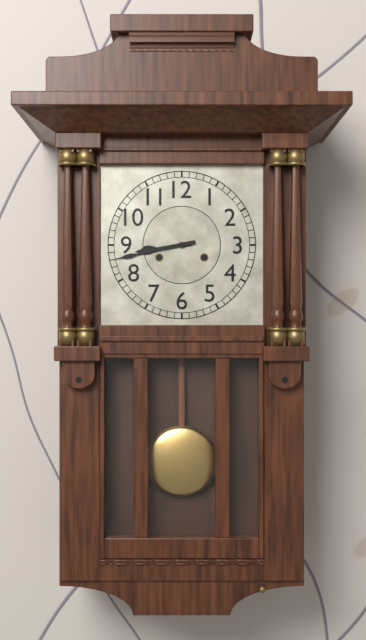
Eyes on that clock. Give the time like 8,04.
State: 8,43
